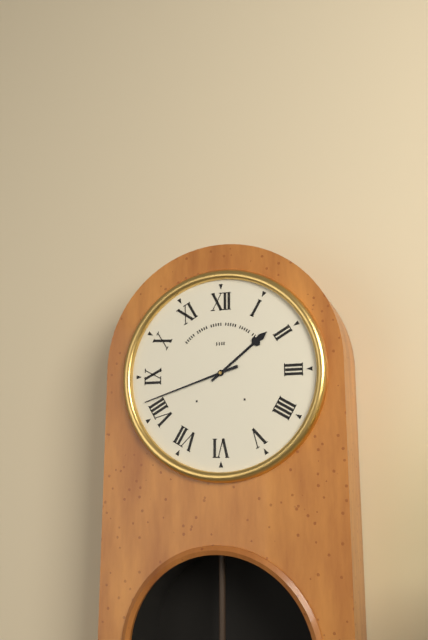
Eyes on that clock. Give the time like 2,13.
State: 1,42
